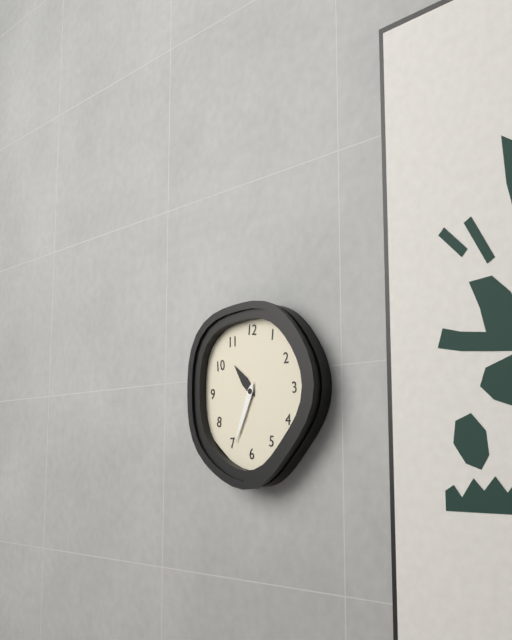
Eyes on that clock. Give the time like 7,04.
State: 10,34
